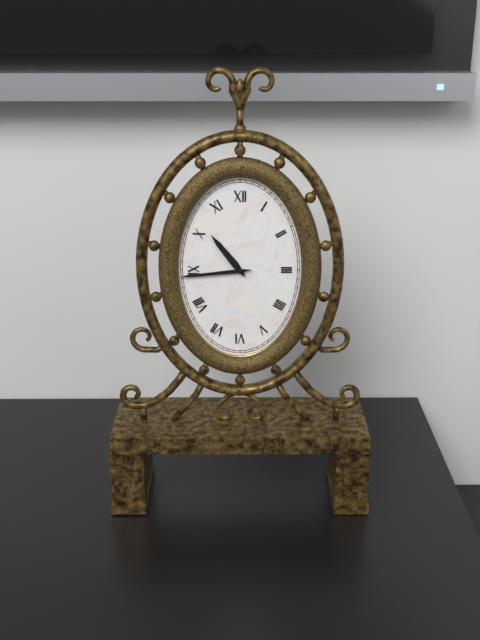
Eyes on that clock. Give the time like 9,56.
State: 10,44
